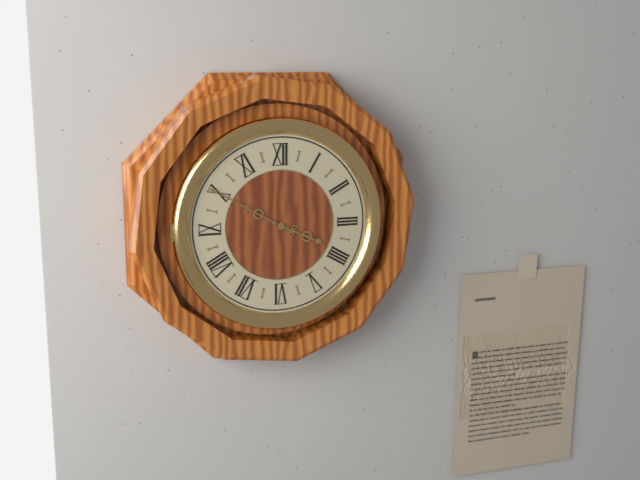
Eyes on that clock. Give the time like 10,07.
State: 3,50
